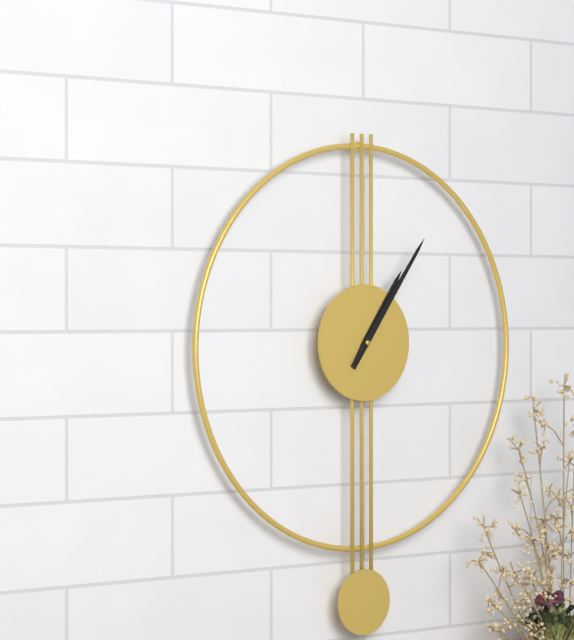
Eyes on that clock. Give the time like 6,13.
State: 1,06
